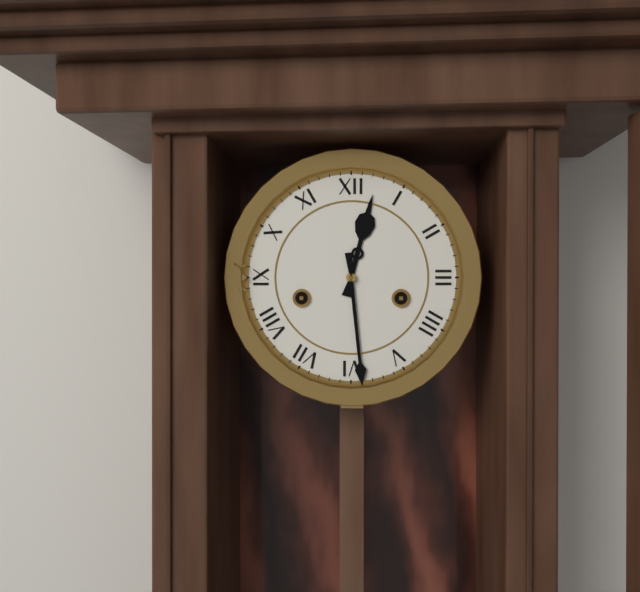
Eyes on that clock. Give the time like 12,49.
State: 12,29
